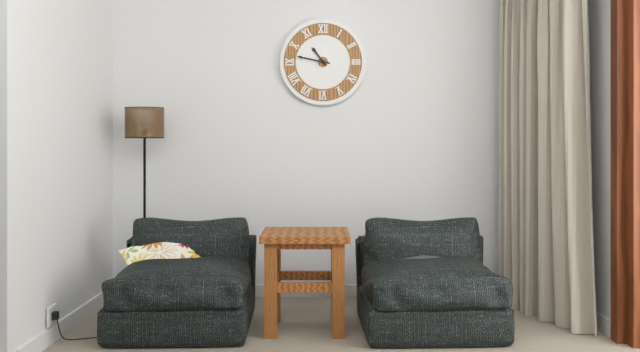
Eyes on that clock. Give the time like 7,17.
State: 10,47
